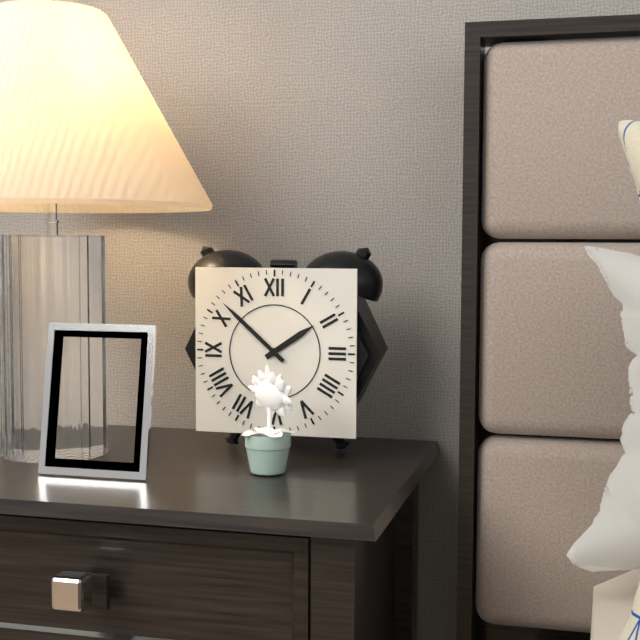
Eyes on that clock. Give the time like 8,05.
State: 1,52
